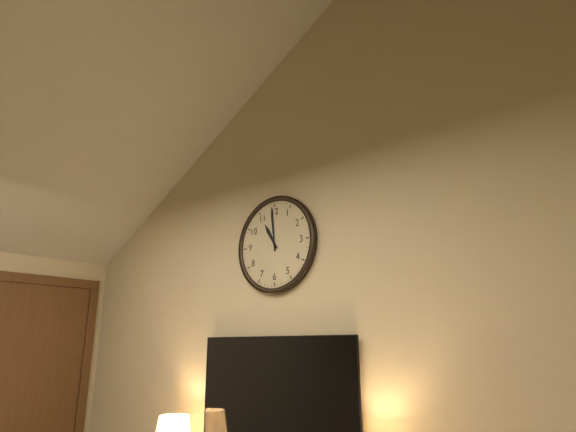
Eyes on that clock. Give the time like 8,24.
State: 10,59
